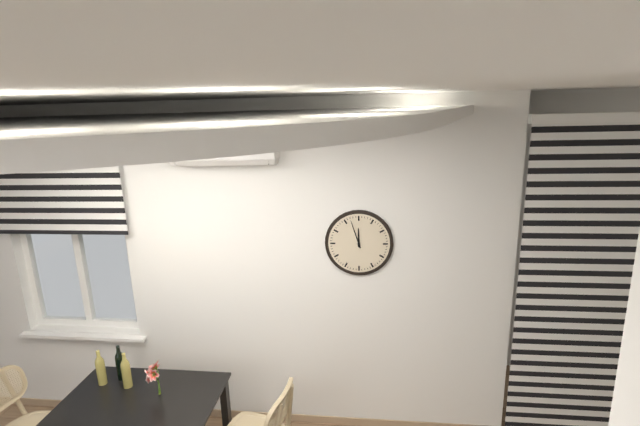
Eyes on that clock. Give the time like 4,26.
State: 11,57
